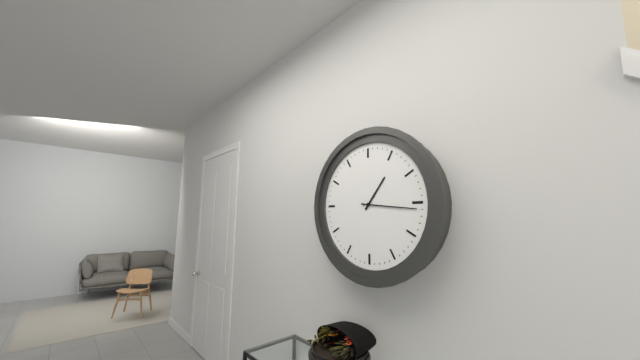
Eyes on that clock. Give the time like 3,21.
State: 1,16
